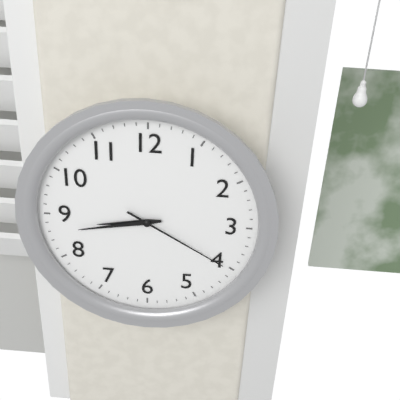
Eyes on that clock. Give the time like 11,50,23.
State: 8,43,20
